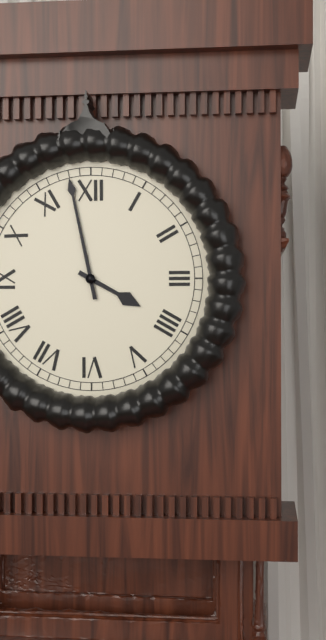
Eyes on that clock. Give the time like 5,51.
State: 3,58
